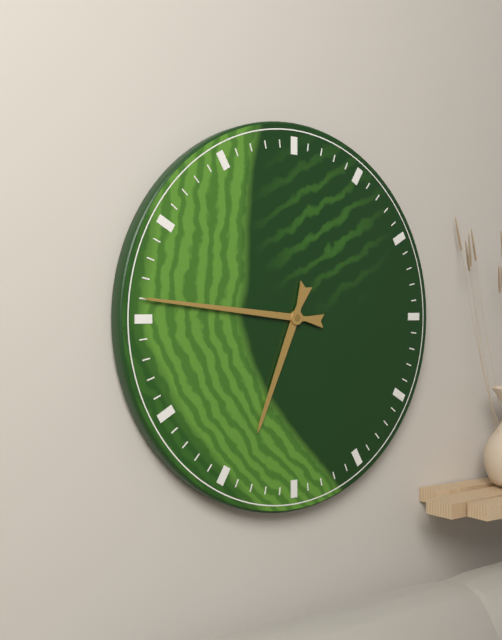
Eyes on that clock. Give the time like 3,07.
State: 6,46
